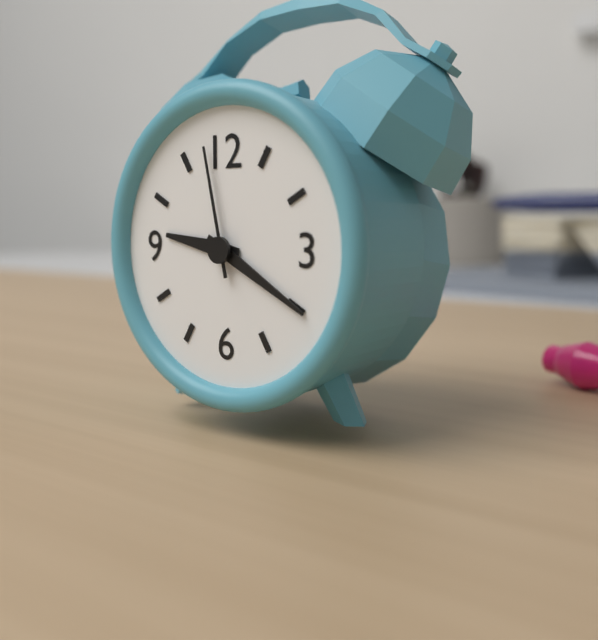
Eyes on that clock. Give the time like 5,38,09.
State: 9,20,58
